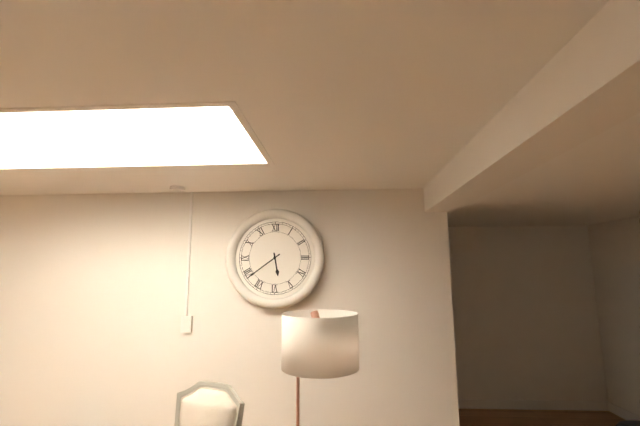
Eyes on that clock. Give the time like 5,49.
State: 5,39
